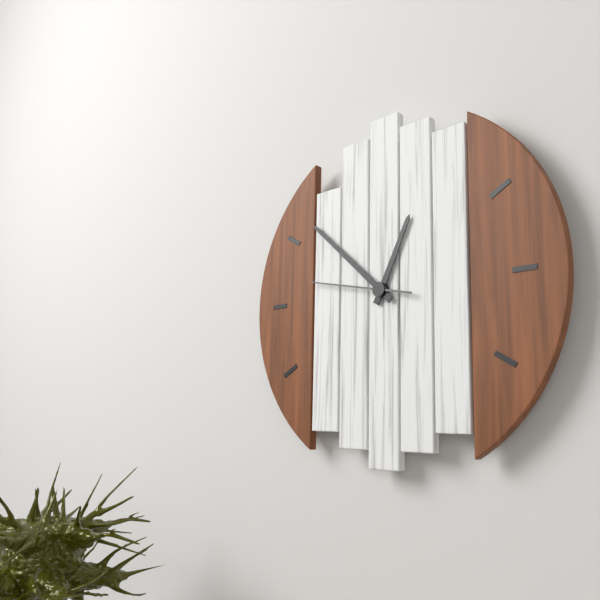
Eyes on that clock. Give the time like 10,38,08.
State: 12,52,47
